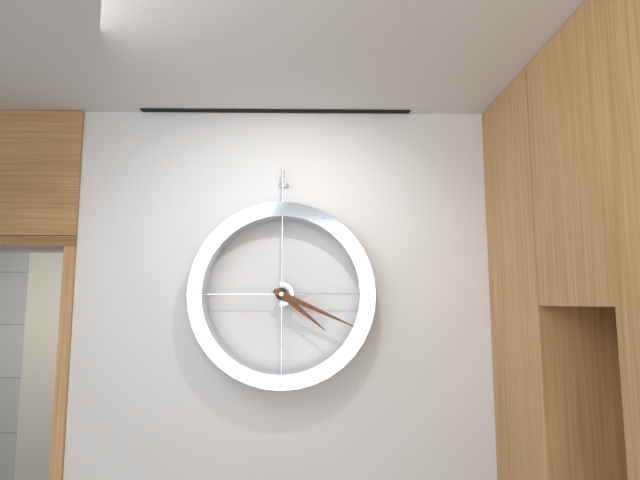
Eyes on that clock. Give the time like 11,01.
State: 4,19
